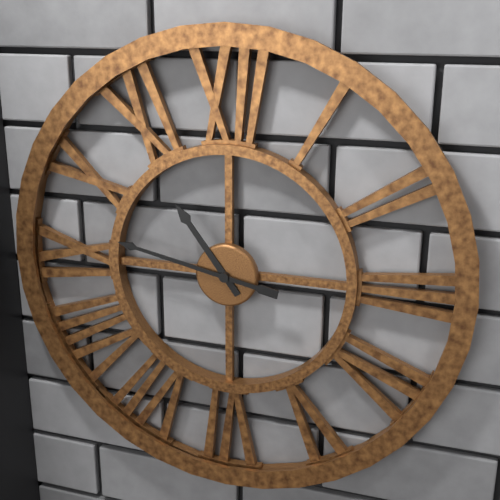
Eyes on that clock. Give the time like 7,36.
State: 10,47
